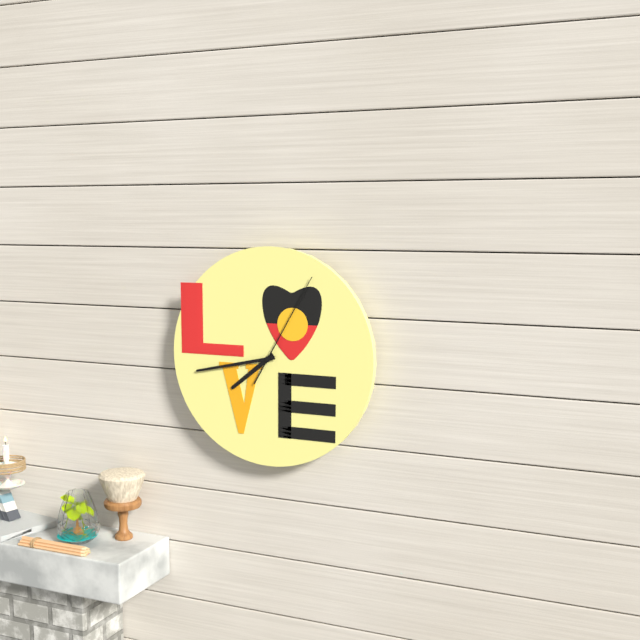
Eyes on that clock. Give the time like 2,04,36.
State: 7,43,05
